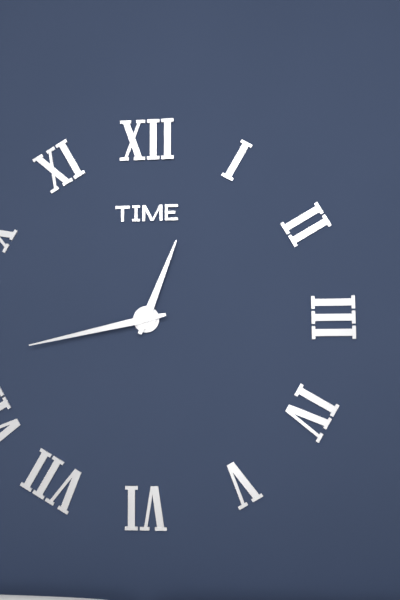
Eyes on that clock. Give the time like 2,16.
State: 12,43
